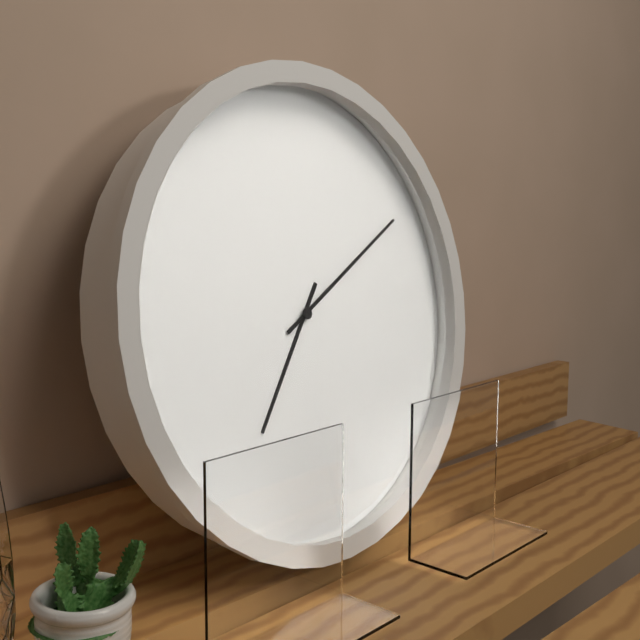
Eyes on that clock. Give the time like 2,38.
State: 7,10
